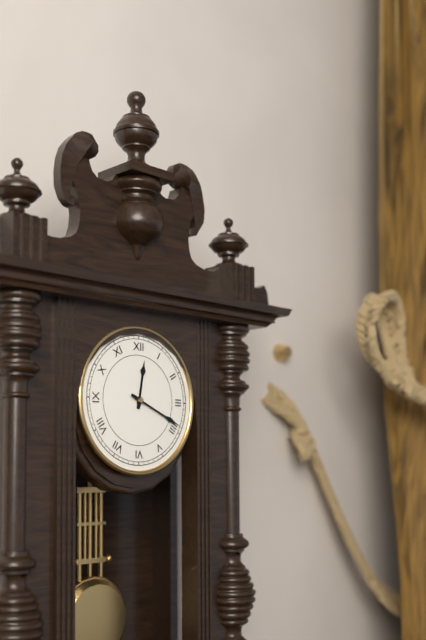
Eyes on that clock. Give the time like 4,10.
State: 12,19
